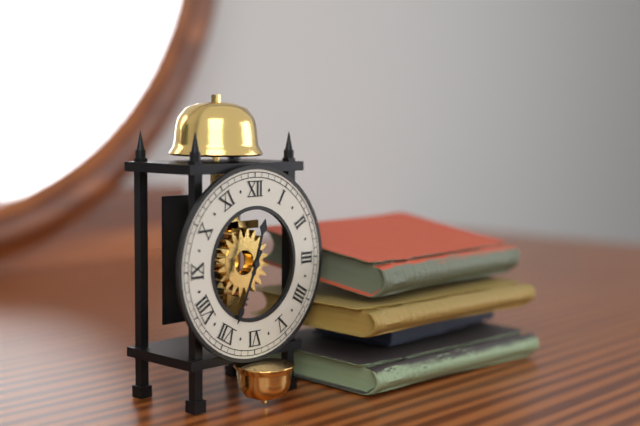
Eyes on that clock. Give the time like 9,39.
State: 12,34
